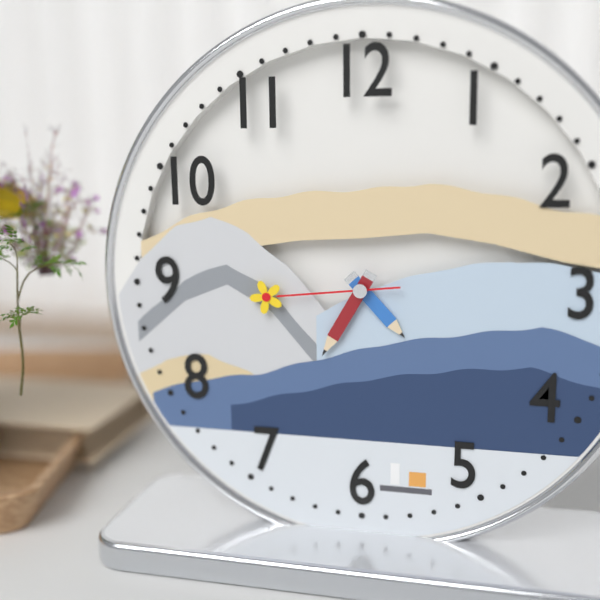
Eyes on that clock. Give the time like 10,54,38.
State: 4,35,44
